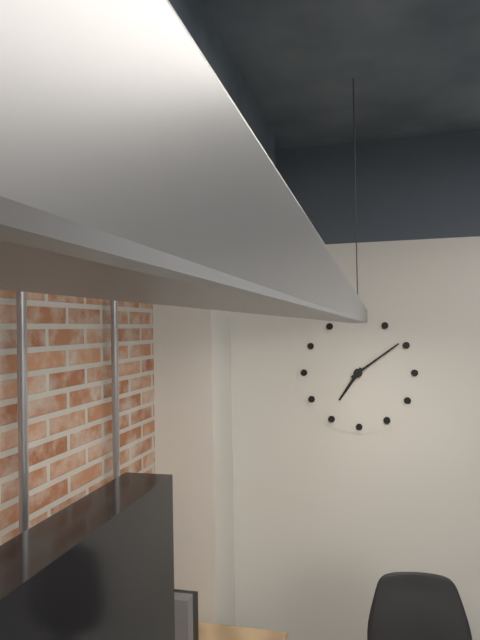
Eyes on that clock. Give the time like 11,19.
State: 7,09
